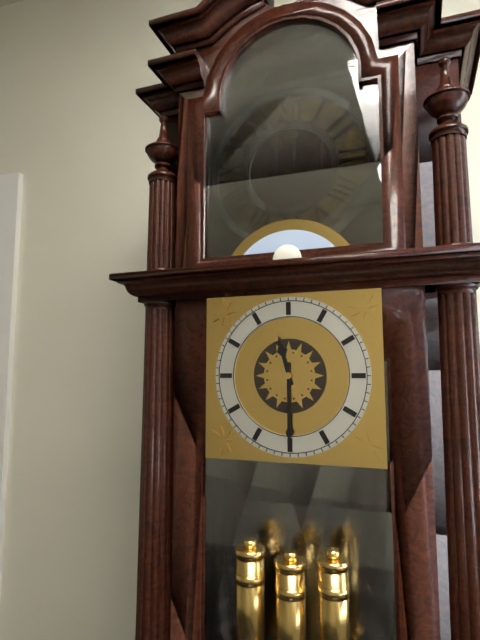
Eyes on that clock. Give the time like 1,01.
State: 11,30
